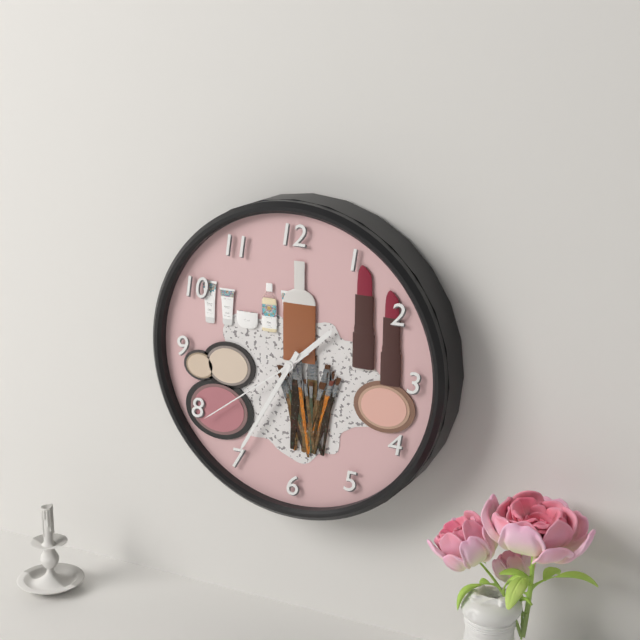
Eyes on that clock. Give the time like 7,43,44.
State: 1,35,39
